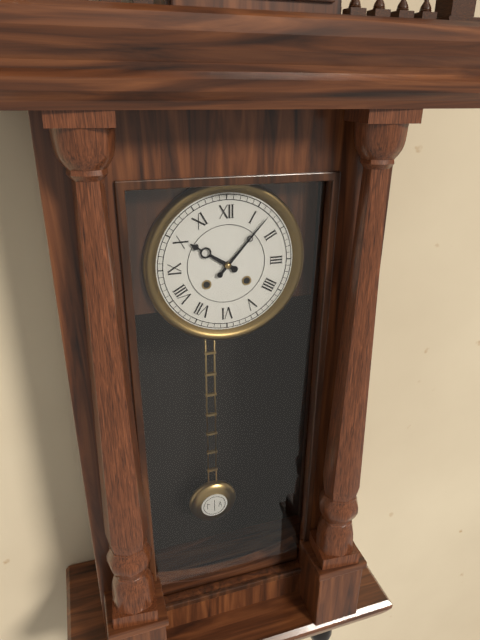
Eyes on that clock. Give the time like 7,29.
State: 10,07
